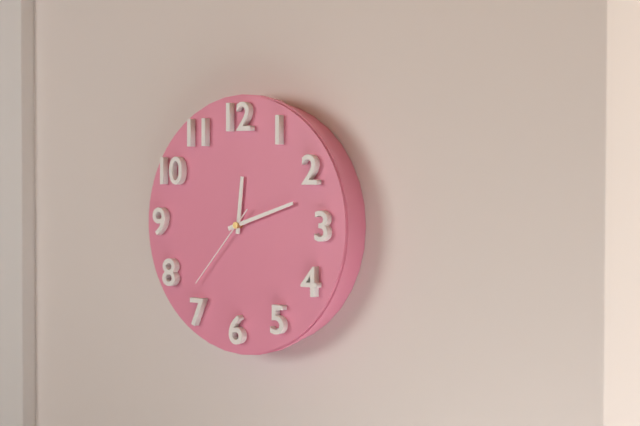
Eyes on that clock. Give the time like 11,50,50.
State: 12,12,37
